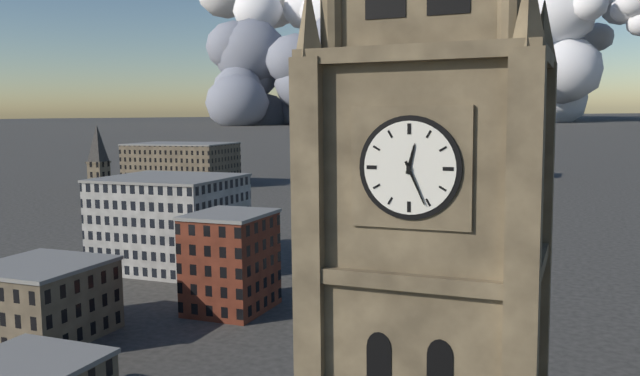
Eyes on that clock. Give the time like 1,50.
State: 12,26
